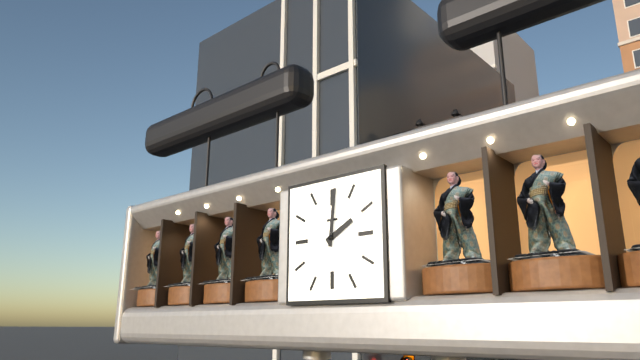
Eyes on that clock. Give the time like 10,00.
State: 2,01
